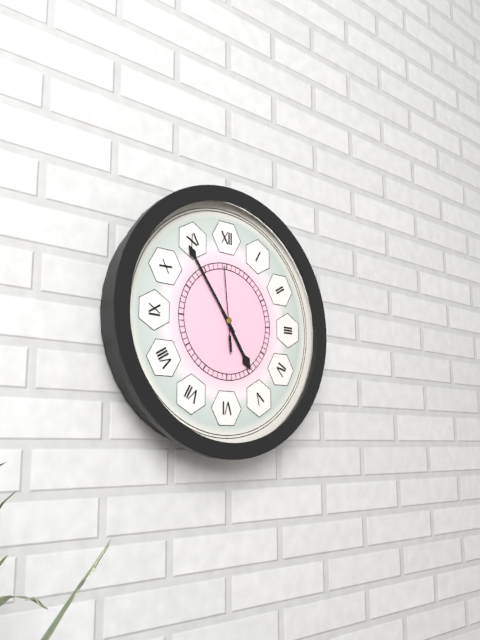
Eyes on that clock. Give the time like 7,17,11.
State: 4,54,59
